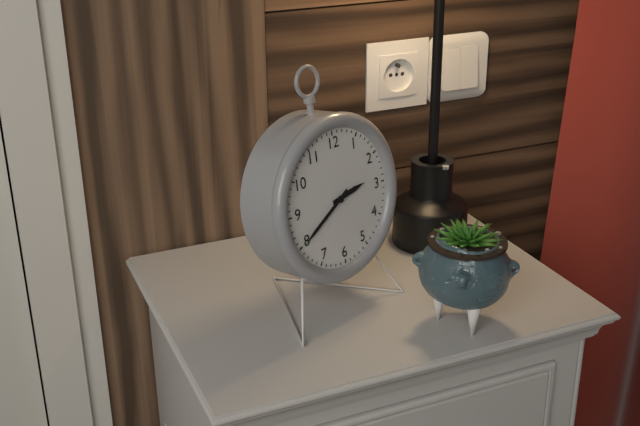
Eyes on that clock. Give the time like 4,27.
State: 2,40
